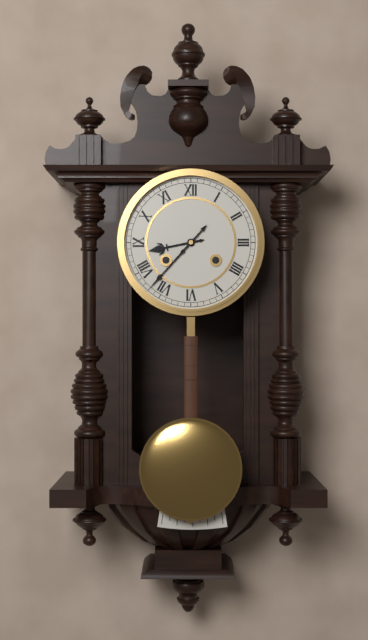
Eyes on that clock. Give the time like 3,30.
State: 8,37
